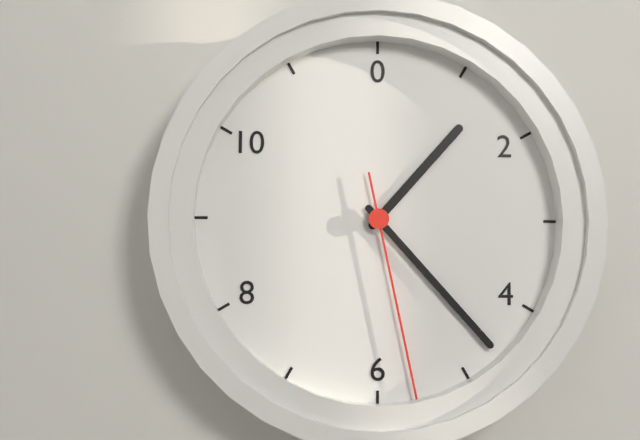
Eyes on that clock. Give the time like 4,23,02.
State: 1,23,28
